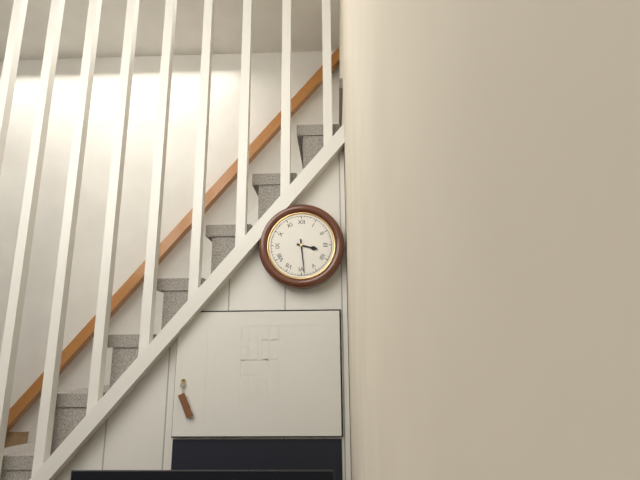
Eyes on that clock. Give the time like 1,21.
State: 3,29
